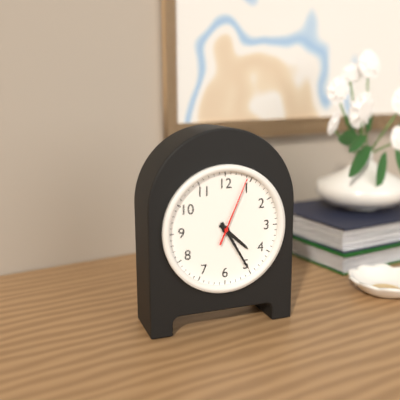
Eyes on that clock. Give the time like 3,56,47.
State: 4,25,04
